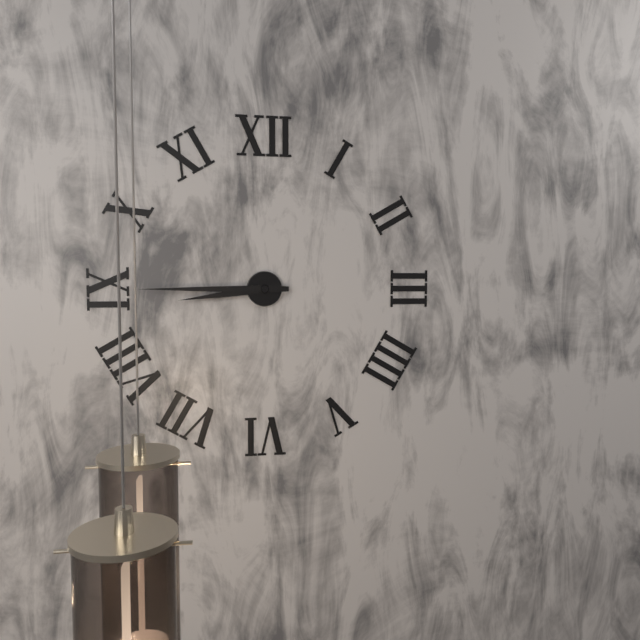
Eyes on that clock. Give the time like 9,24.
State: 8,45
